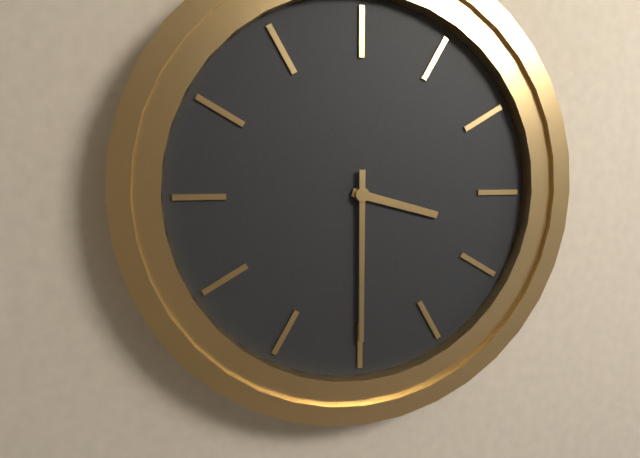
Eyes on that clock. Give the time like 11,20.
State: 3,30
